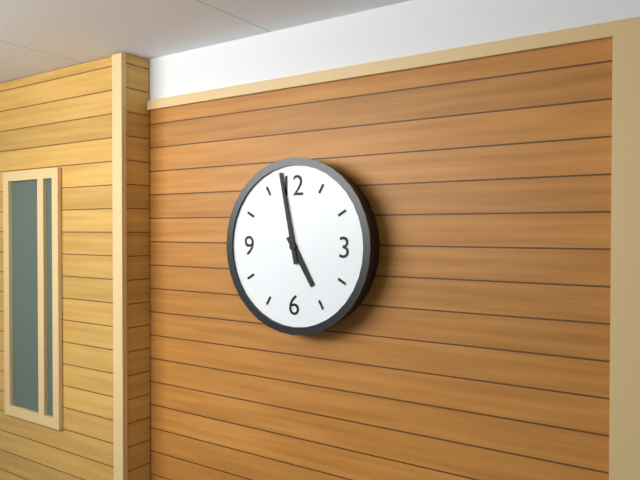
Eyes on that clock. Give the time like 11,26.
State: 4,58
